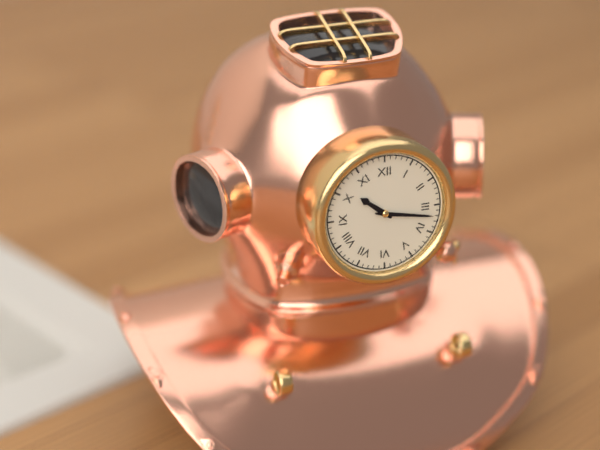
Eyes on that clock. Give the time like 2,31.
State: 10,17
